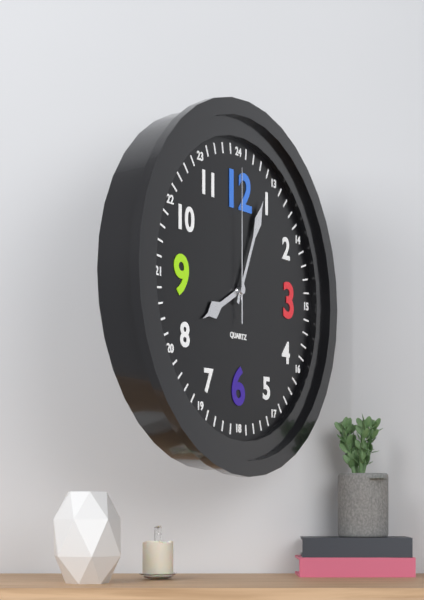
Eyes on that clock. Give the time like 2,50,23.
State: 8,04,00
